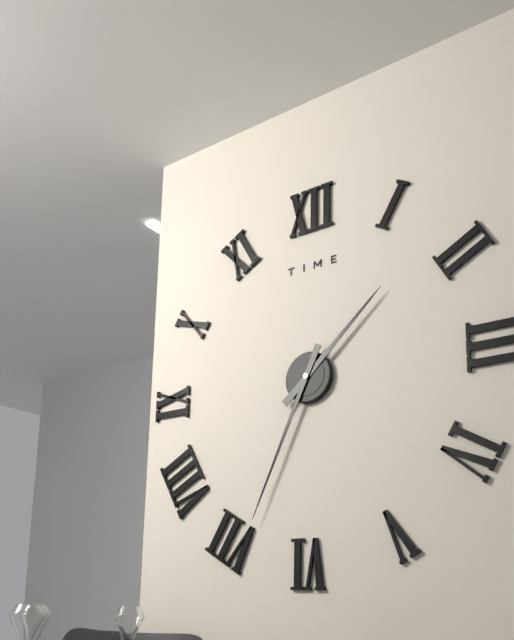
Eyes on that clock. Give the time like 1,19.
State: 1,34
